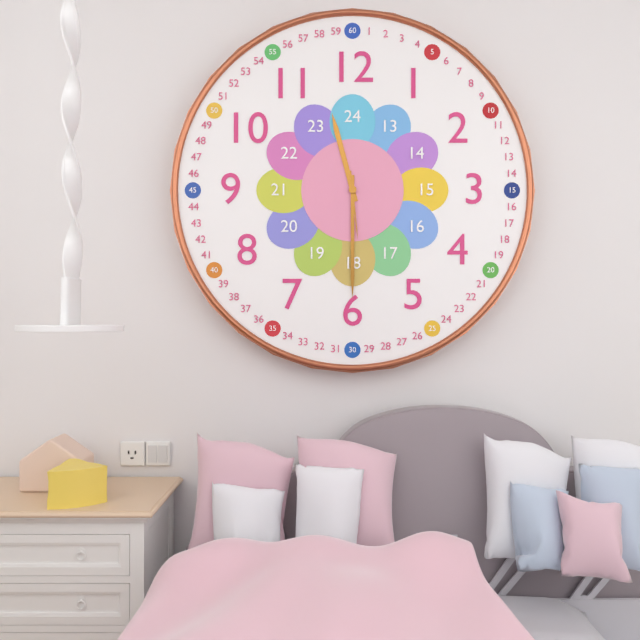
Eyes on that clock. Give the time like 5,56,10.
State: 11,30,29
